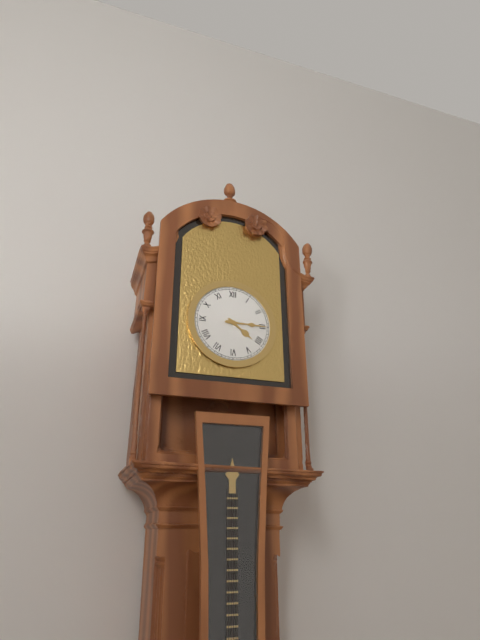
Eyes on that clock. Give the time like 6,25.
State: 4,15
